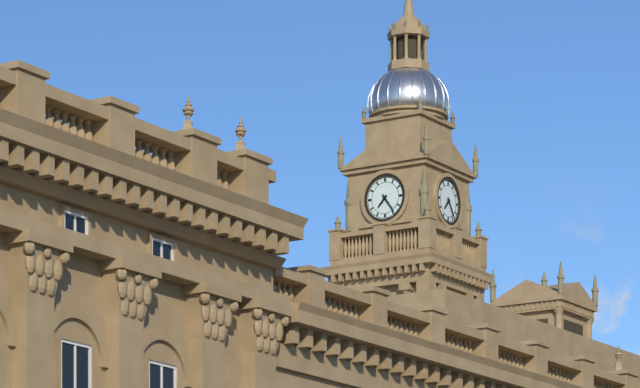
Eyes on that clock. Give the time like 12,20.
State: 7,24
